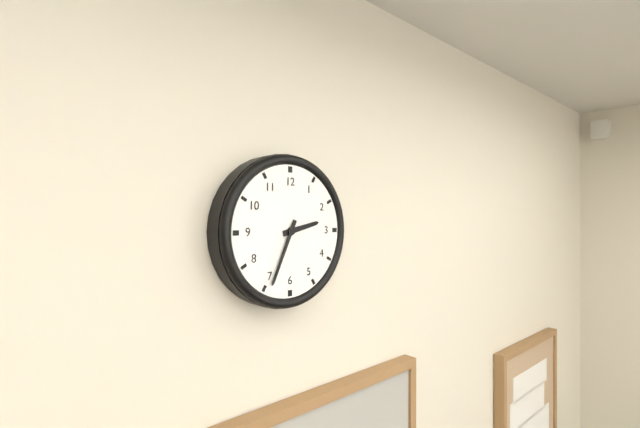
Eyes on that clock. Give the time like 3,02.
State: 2,34
